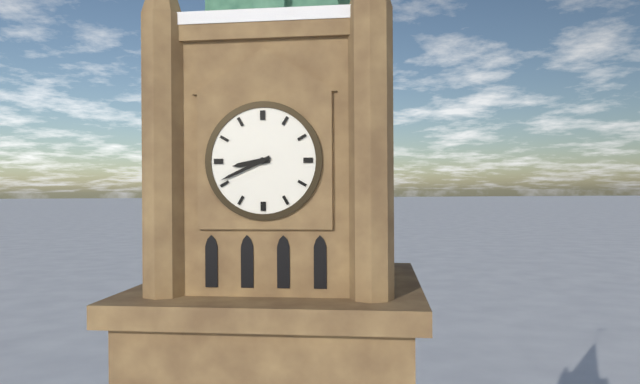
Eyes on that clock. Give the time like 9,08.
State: 8,41
